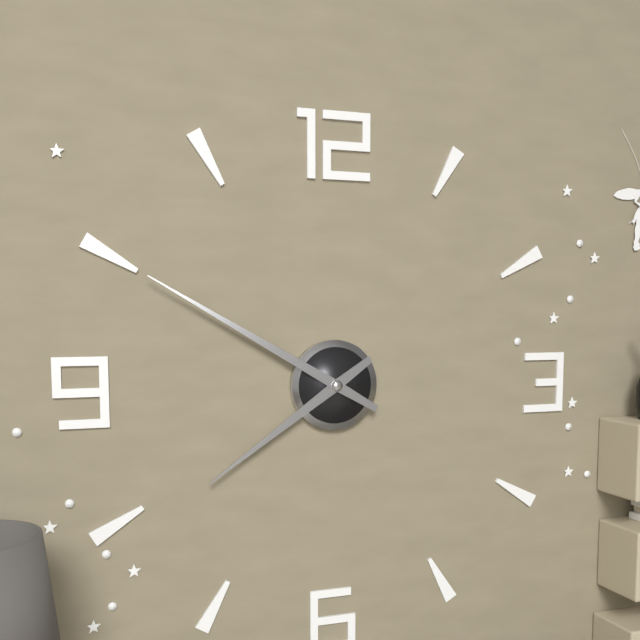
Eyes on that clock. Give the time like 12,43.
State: 7,50
